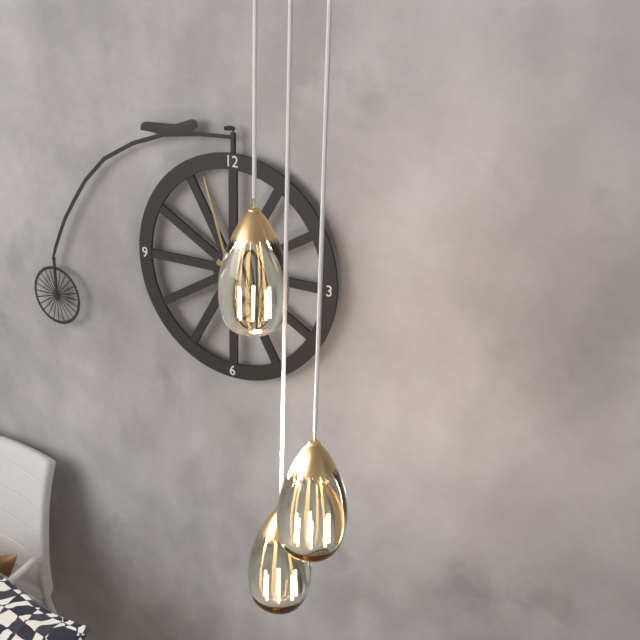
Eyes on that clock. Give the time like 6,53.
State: 3,57
